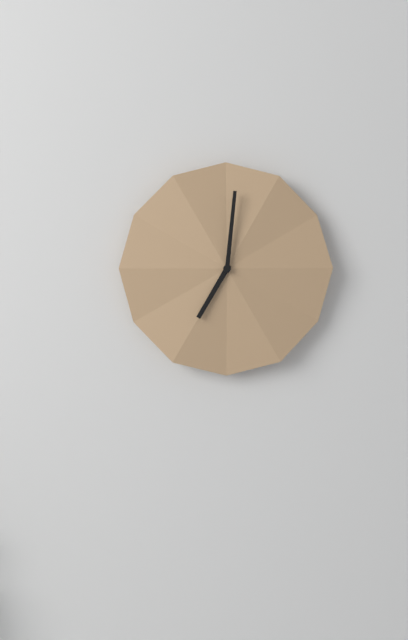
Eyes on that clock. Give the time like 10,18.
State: 7,01
